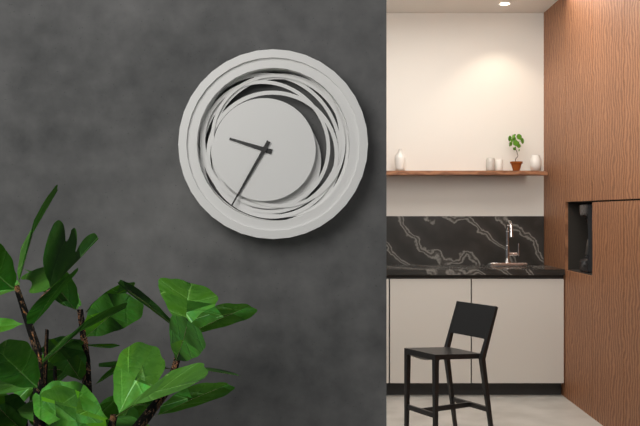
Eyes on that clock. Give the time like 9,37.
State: 9,35
